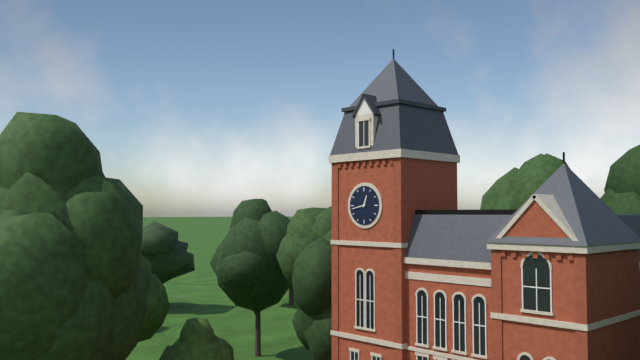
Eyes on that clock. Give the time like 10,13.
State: 12,43
